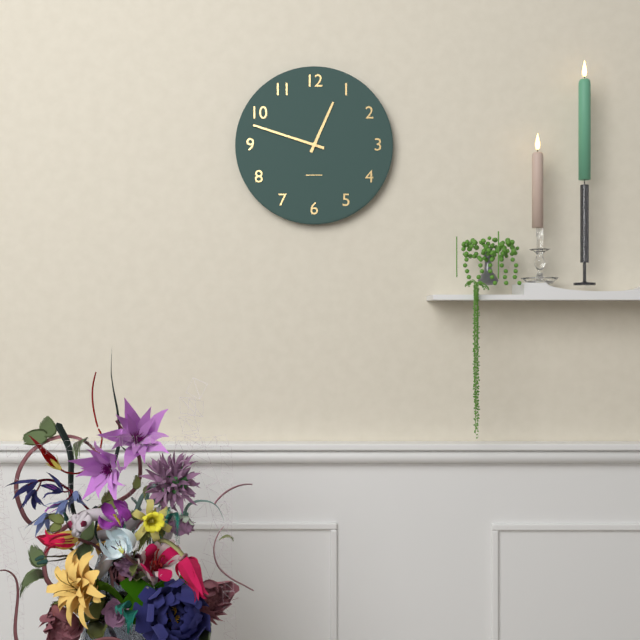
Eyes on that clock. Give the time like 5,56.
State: 12,48
